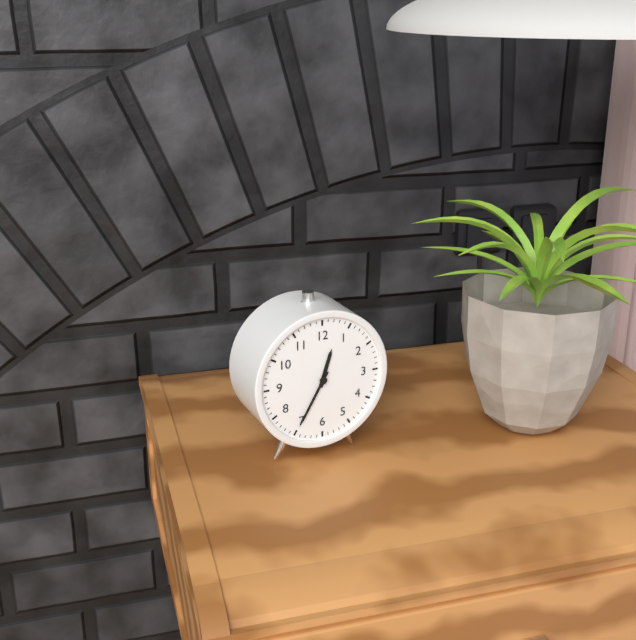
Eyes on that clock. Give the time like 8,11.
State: 12,35
